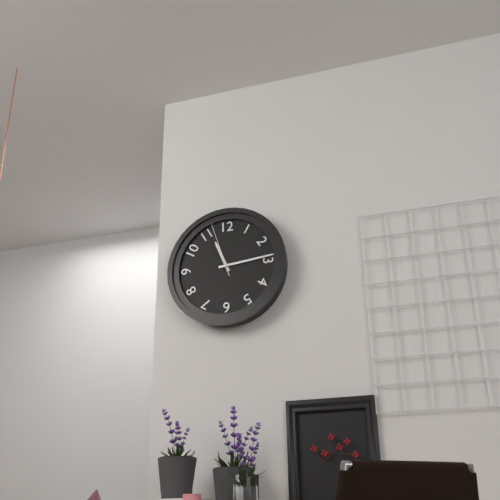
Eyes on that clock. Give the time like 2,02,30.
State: 11,14,57
